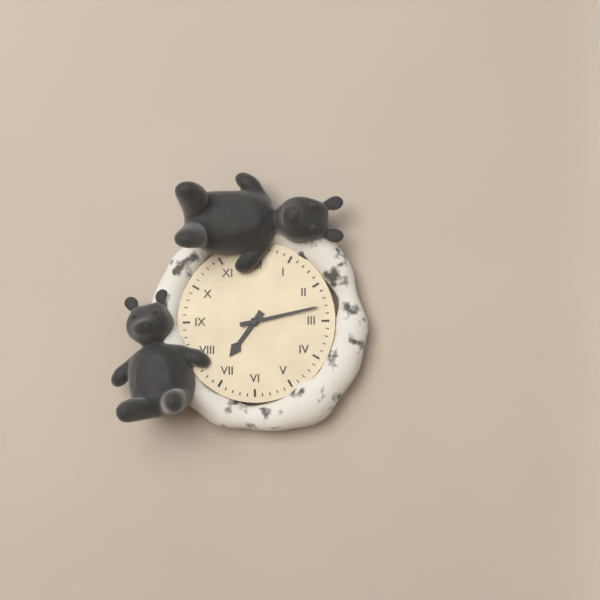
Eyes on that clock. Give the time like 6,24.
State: 7,13
